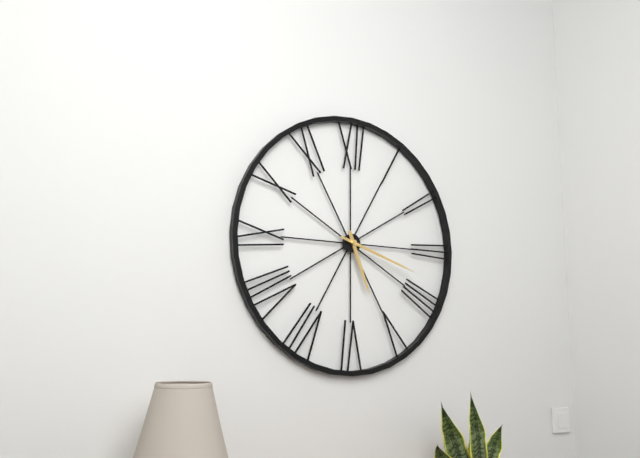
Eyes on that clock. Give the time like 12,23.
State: 5,18
